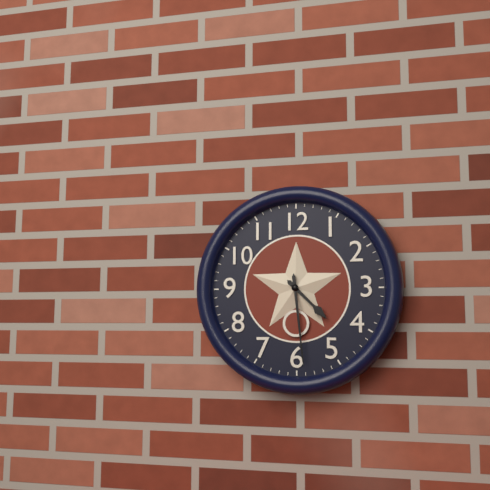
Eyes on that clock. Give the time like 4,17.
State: 4,29
